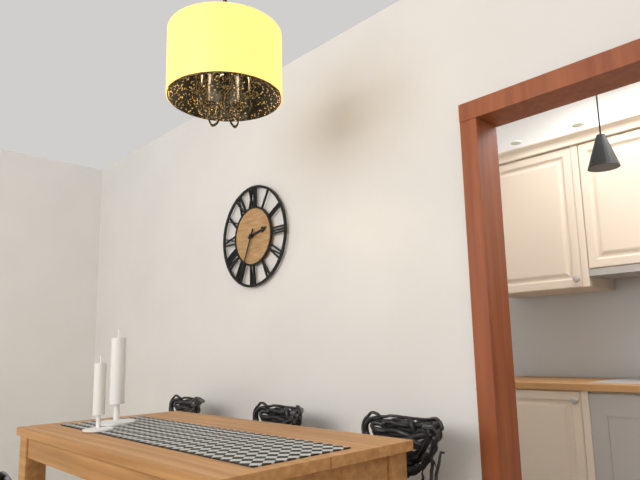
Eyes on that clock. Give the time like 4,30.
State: 2,34
